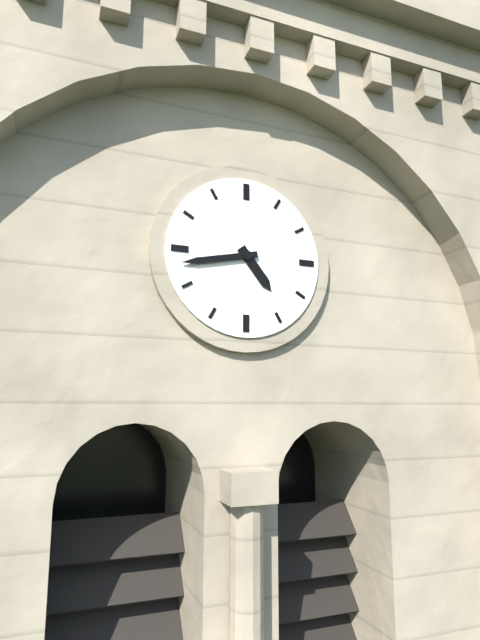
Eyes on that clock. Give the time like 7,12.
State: 4,43
